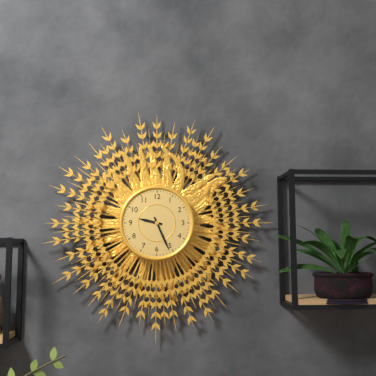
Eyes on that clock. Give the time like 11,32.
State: 9,26
